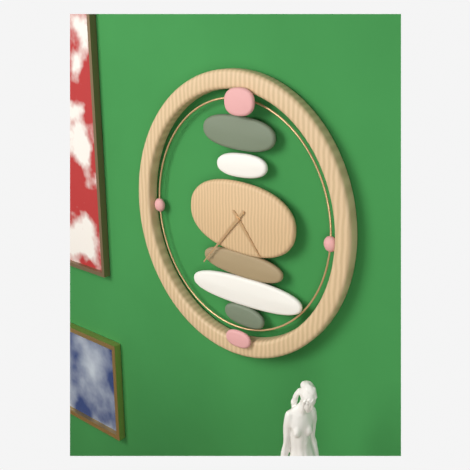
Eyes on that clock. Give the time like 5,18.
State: 4,37
